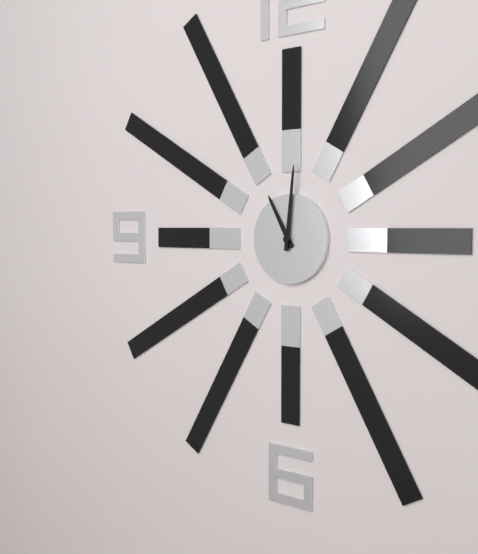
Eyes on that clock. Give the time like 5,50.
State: 11,01
